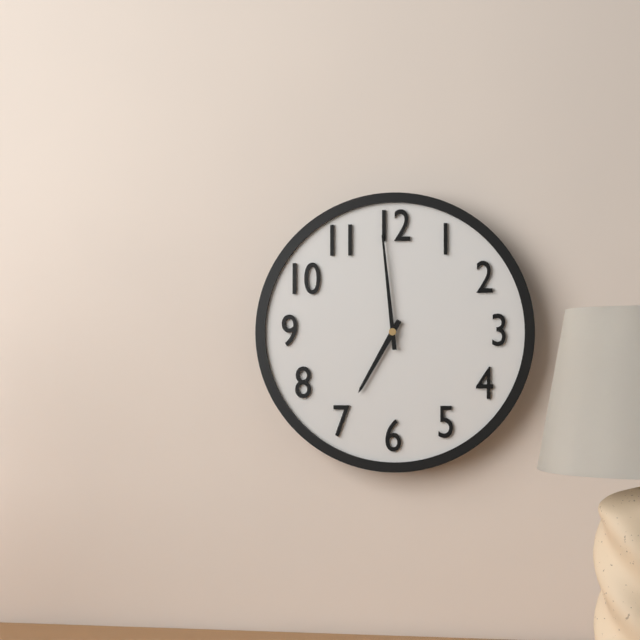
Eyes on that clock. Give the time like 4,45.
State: 6,59
